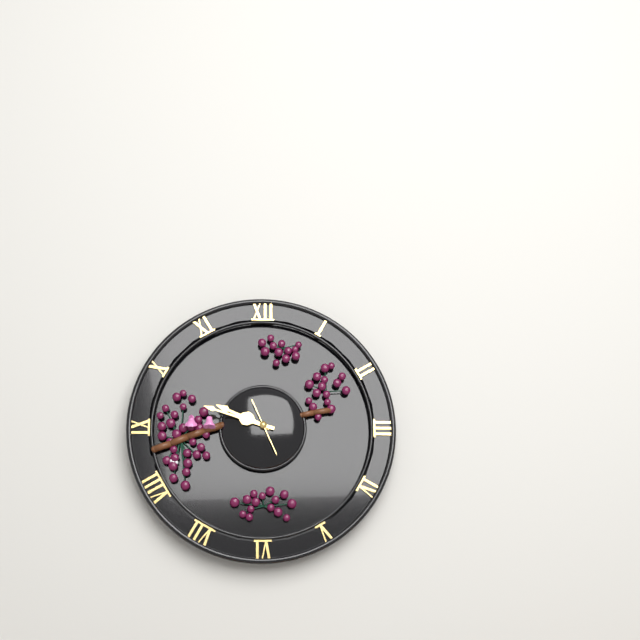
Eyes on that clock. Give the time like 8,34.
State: 9,48
